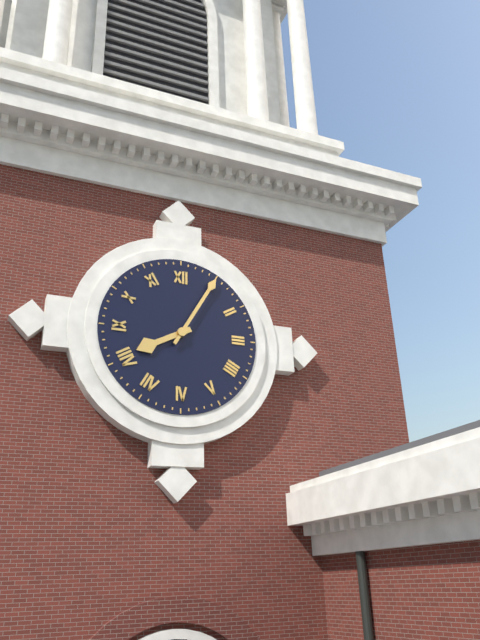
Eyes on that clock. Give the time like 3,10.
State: 8,05
